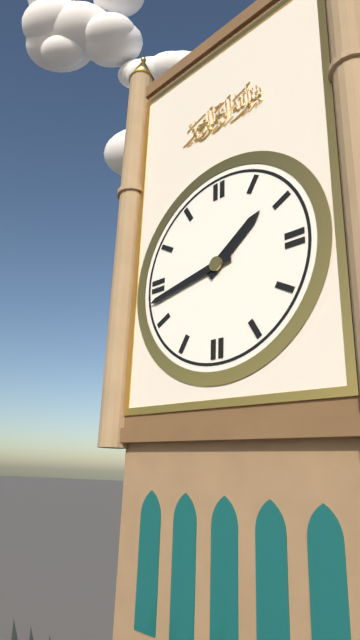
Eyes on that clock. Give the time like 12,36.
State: 1,43
